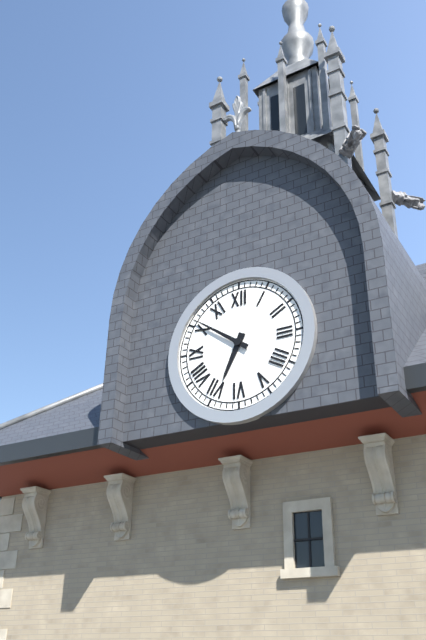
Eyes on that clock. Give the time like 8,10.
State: 6,51
